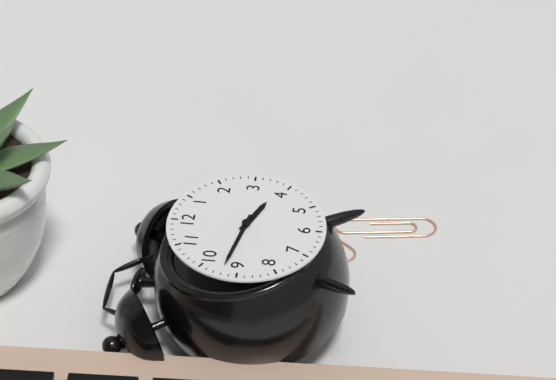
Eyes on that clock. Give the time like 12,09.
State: 3,47
